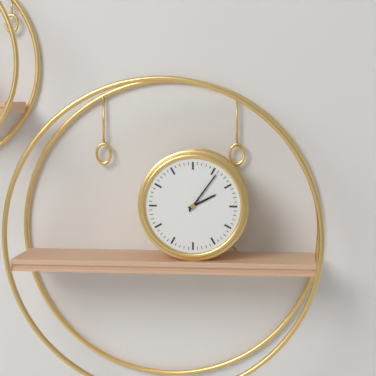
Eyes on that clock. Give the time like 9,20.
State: 2,06
